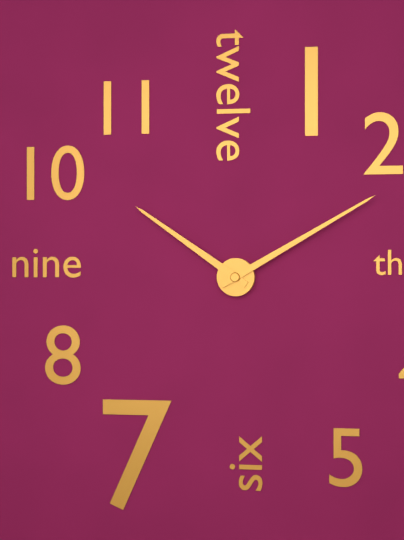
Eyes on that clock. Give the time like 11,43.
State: 10,10
